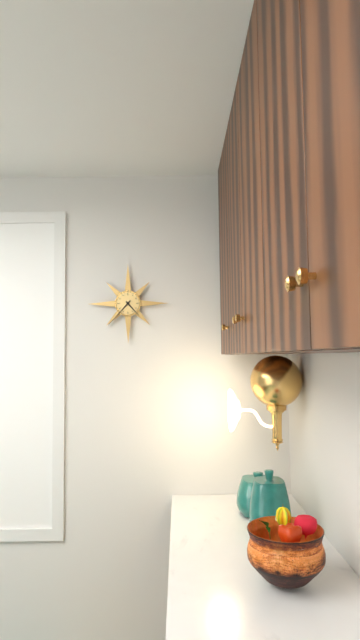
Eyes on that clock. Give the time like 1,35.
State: 4,37
